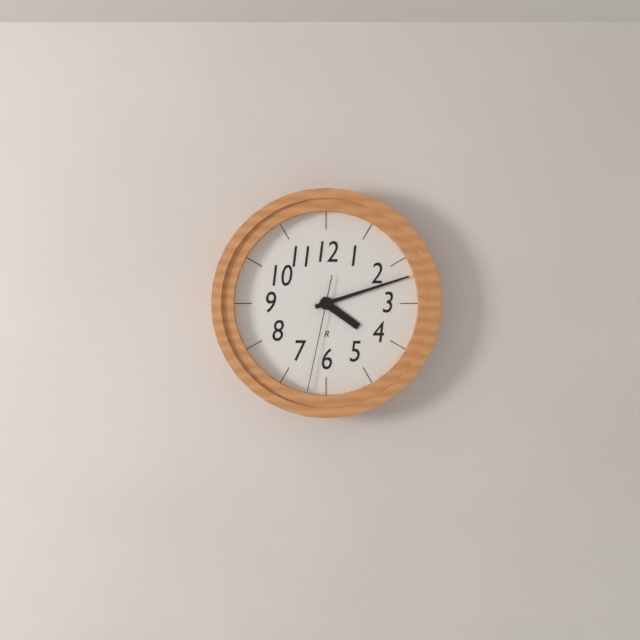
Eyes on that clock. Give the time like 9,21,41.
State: 4,12,32
